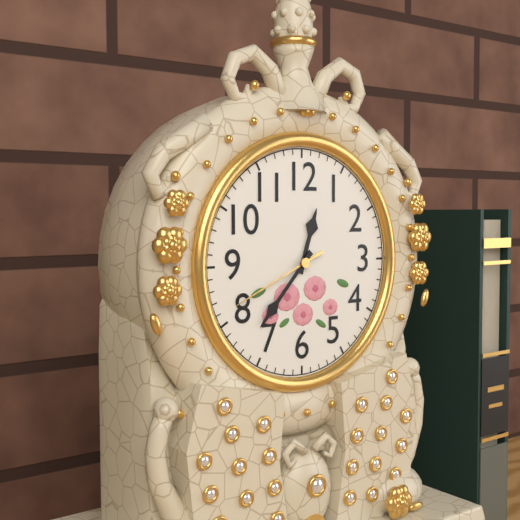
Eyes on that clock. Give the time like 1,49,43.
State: 12,37,41
